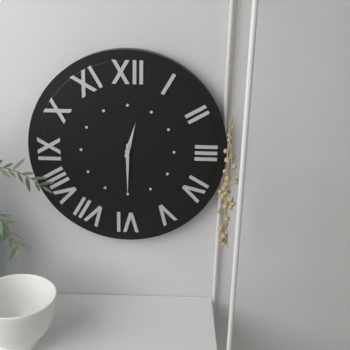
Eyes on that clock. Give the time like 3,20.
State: 12,30
